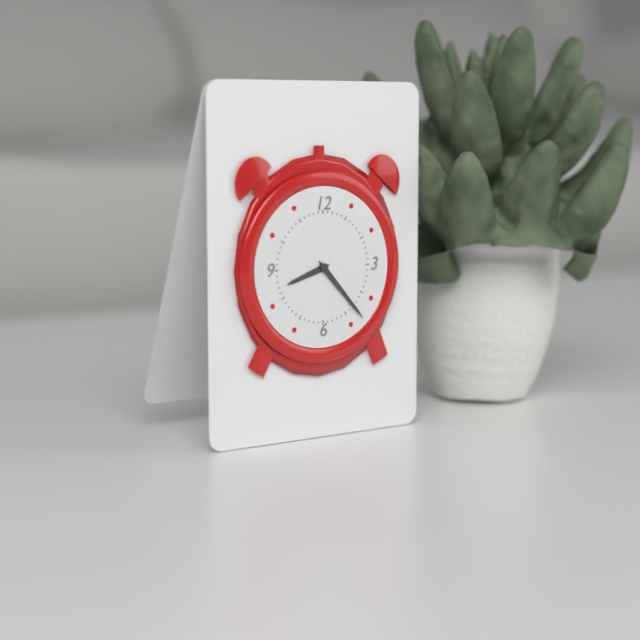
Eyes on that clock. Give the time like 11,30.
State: 8,23
